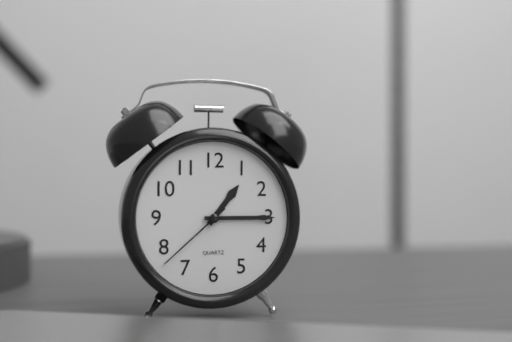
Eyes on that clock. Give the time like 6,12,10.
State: 1,15,38
